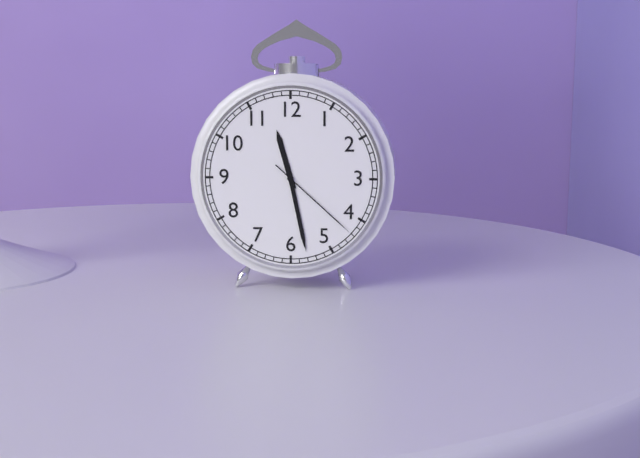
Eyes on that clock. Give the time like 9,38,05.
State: 11,28,22
